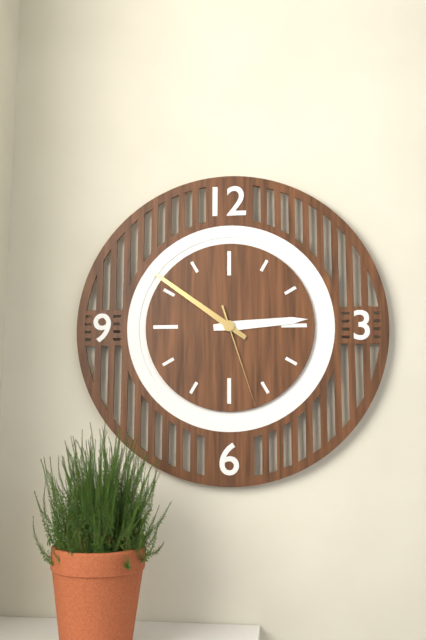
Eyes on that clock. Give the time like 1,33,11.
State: 2,51,27
